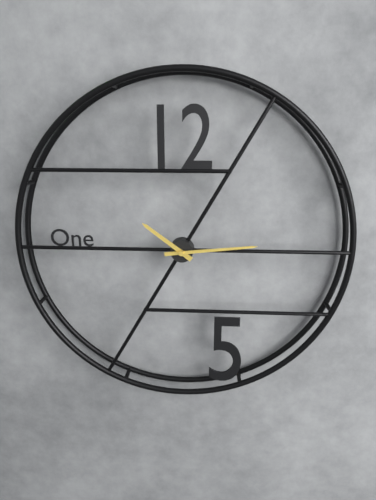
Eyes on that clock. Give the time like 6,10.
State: 10,14
